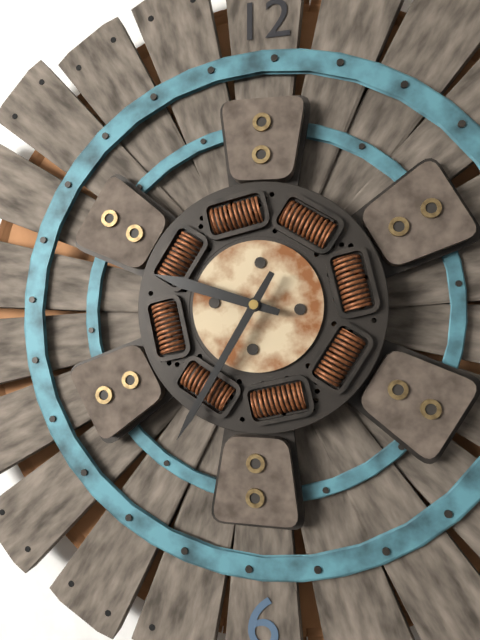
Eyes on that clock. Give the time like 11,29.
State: 9,35
